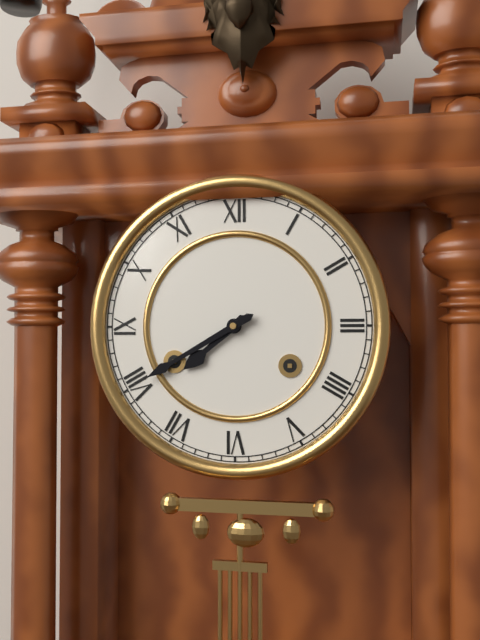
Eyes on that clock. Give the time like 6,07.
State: 7,40
